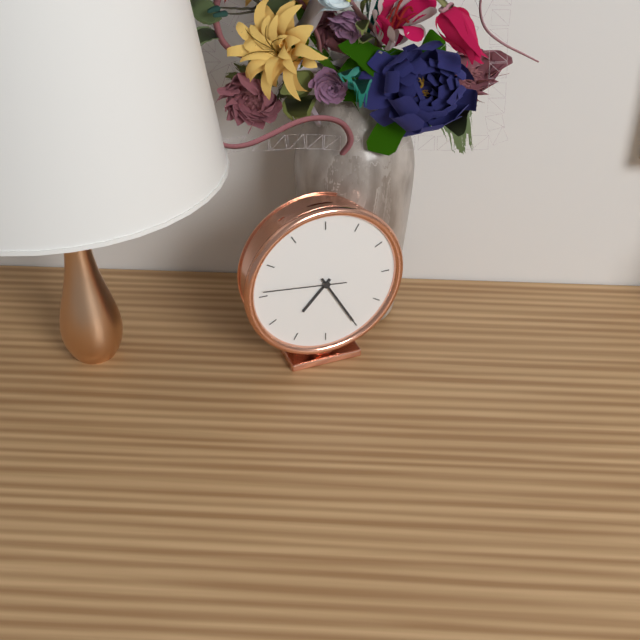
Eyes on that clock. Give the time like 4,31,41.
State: 7,25,46
